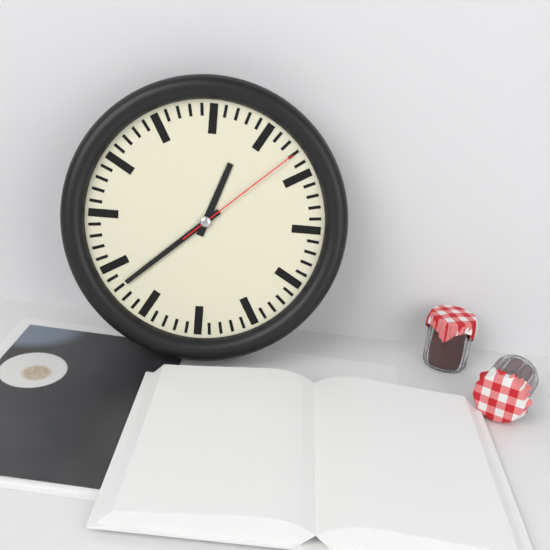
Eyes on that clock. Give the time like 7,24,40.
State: 12,38,08
